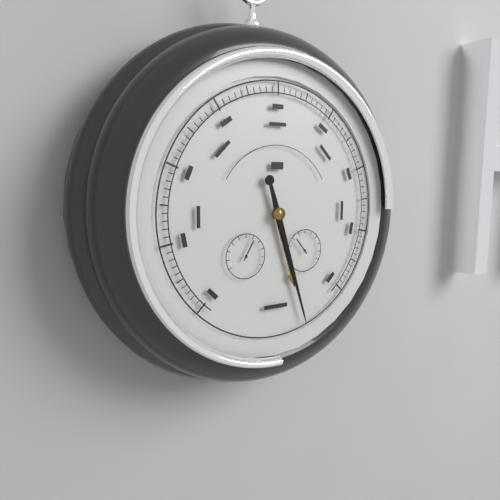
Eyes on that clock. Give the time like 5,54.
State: 5,27
